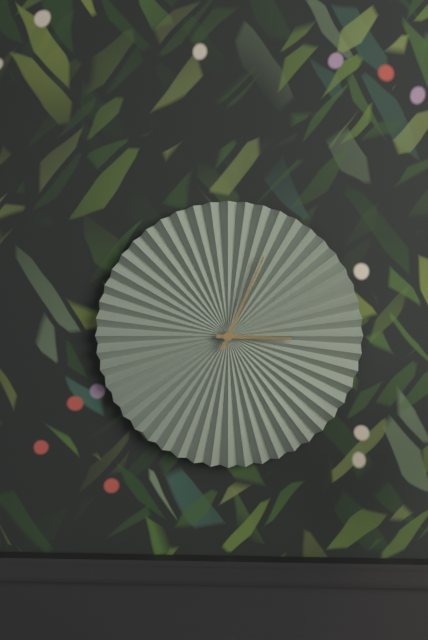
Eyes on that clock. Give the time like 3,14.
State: 3,04
